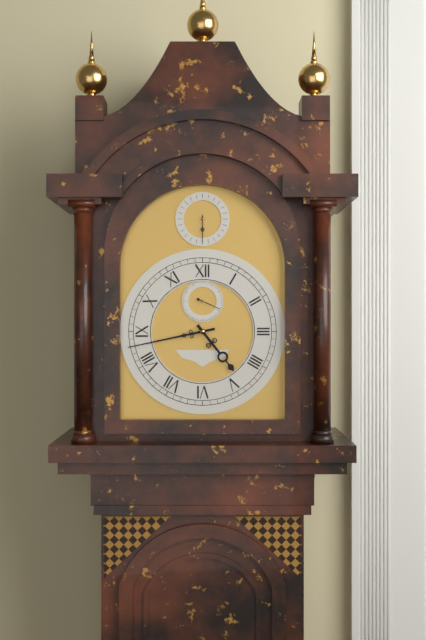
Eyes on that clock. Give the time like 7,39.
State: 4,43
